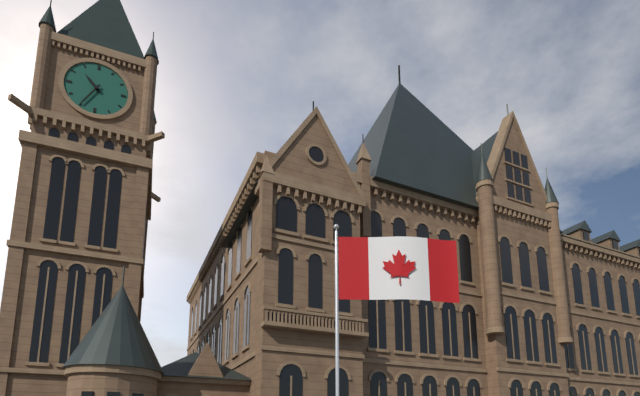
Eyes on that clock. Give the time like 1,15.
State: 10,35
